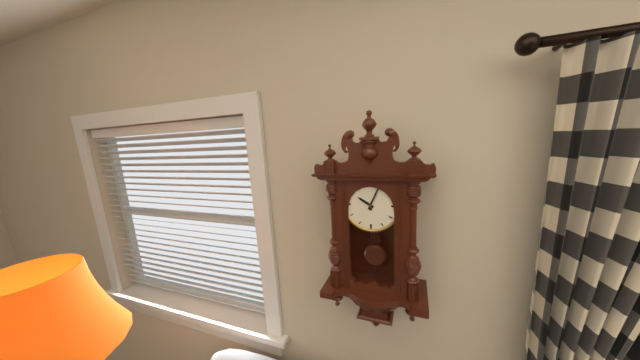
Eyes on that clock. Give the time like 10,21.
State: 10,04
